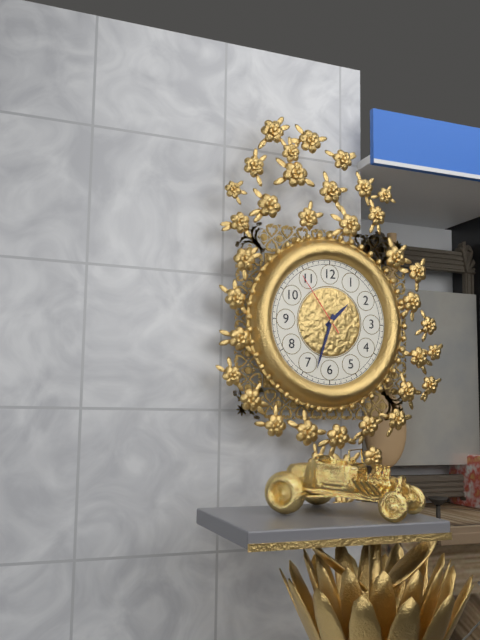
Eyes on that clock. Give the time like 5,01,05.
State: 1,33,54
